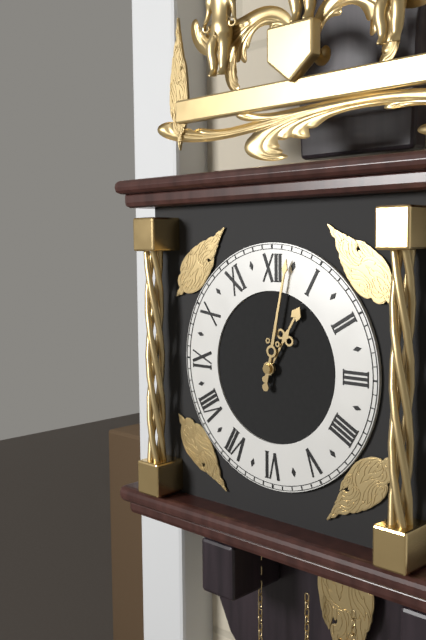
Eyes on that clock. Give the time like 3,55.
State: 1,02
